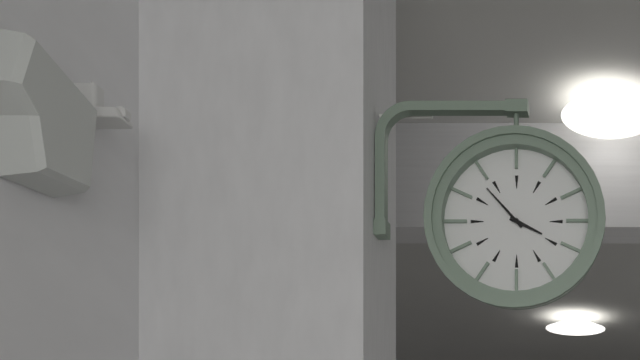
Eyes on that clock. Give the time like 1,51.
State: 3,53
